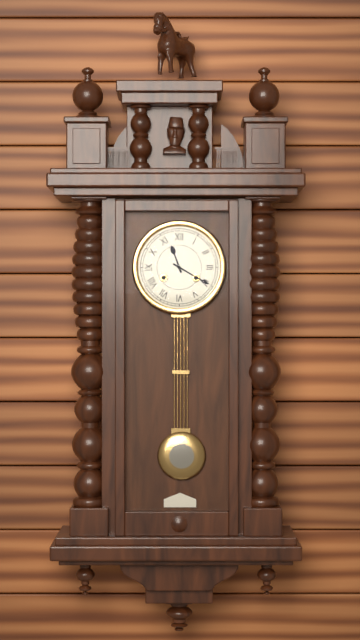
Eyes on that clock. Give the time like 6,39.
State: 11,20
